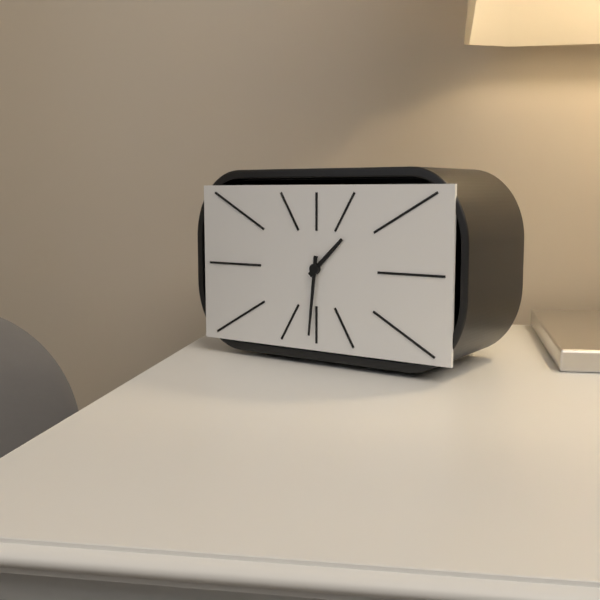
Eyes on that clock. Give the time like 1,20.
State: 1,31
